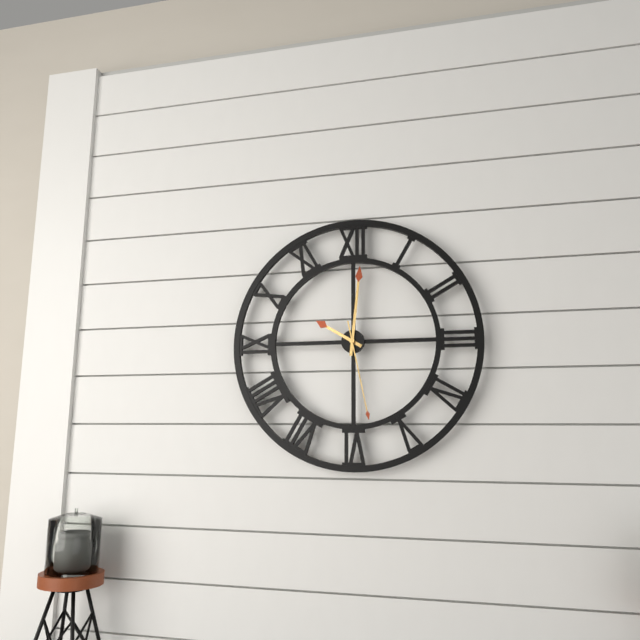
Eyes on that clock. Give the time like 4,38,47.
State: 10,01,28
